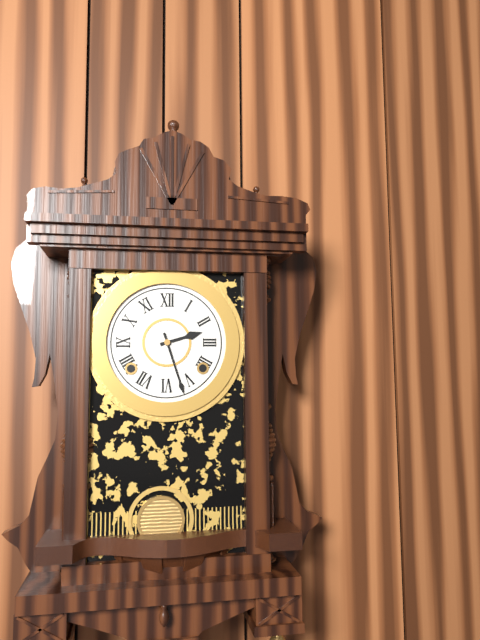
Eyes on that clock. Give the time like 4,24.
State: 2,27
